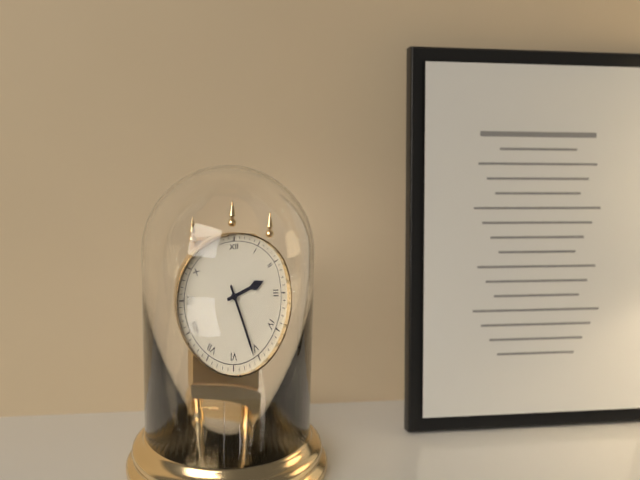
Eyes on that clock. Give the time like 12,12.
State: 2,26
